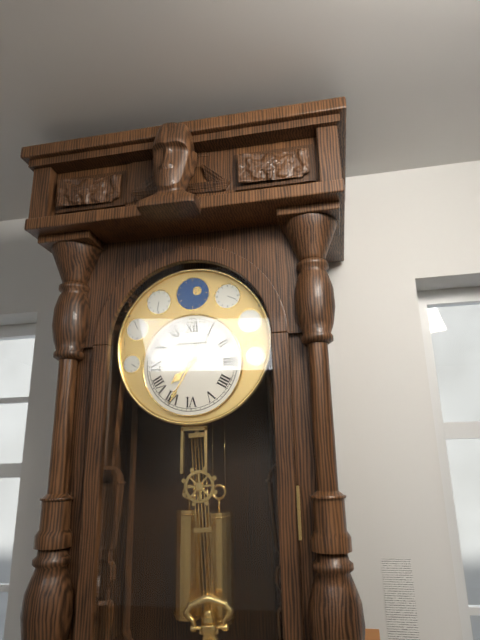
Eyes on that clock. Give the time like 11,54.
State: 7,35
